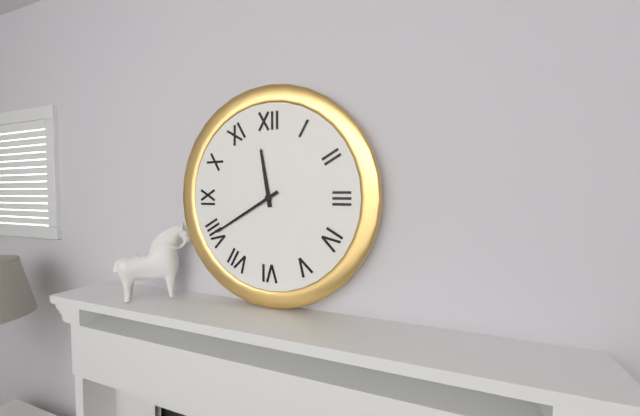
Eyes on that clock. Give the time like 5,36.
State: 11,40
